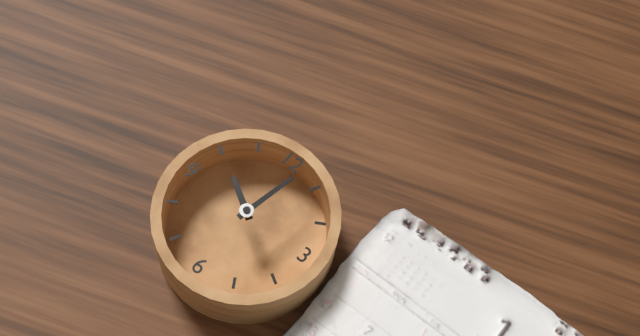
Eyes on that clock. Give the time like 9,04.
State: 10,02
